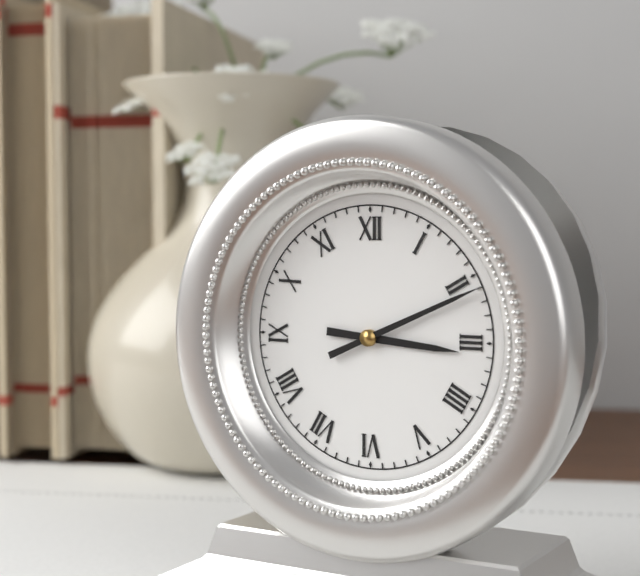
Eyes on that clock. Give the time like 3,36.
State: 3,11
